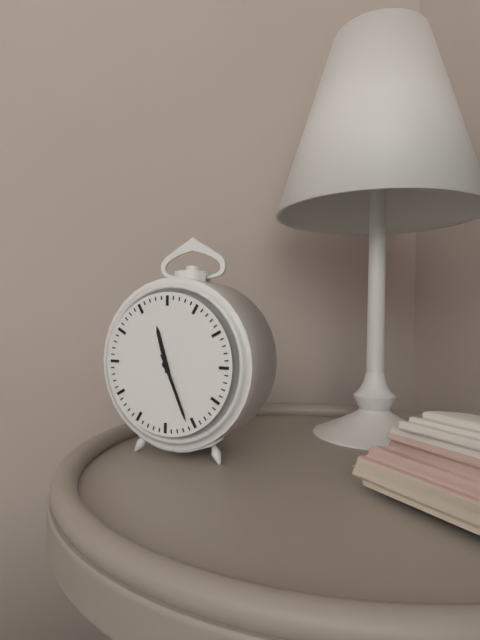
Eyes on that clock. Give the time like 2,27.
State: 11,26
